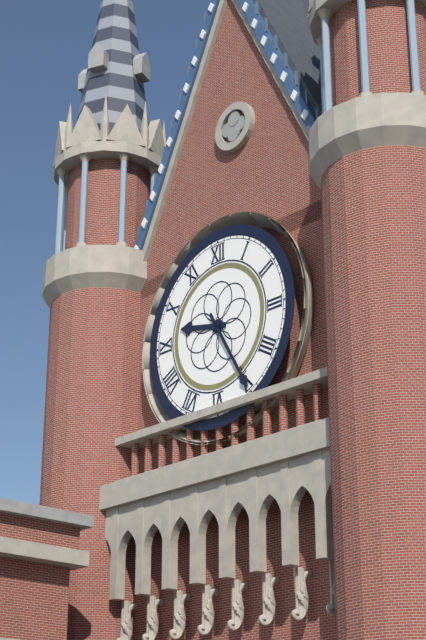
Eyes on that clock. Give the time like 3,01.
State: 9,25
